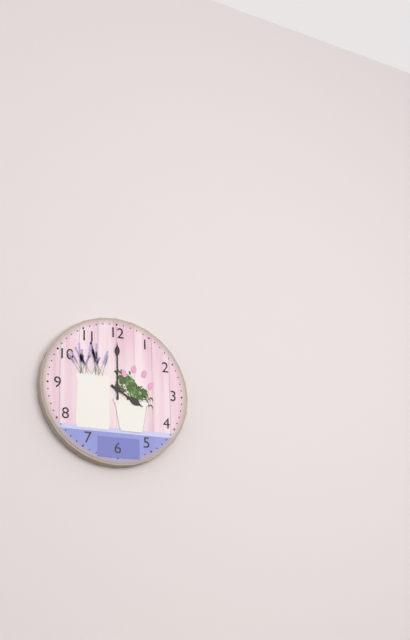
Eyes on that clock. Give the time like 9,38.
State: 4,00
